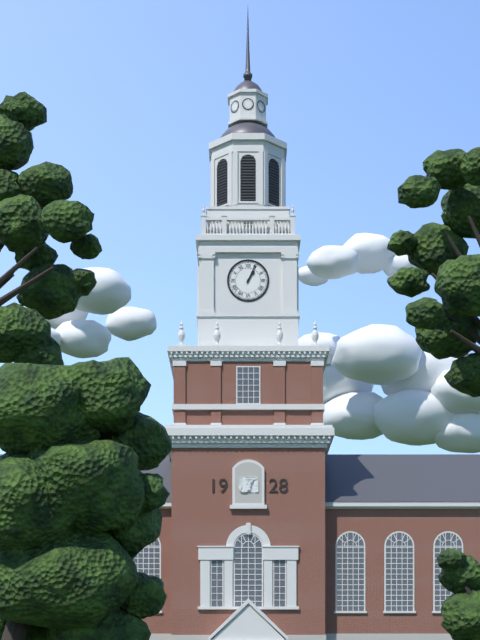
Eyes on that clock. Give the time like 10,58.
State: 1,04
